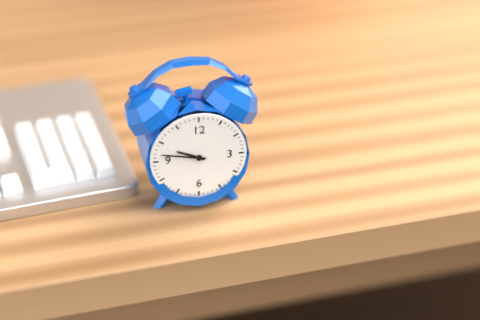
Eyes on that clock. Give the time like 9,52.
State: 9,47
